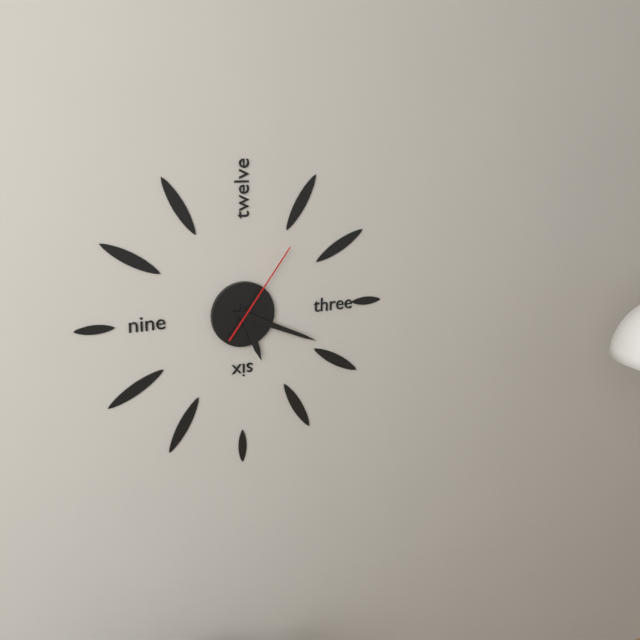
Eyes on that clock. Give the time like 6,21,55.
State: 5,19,06
